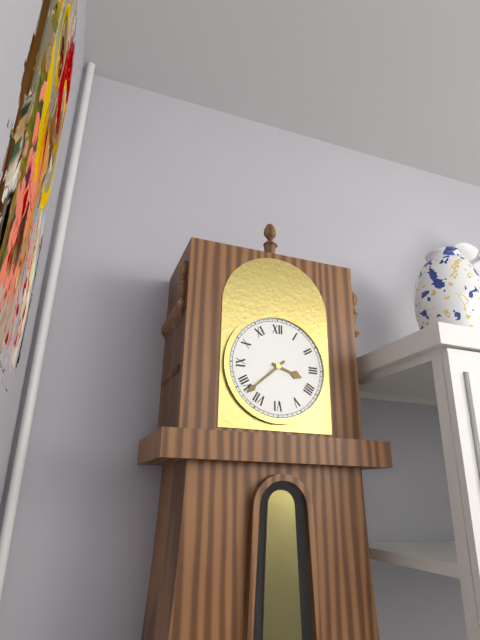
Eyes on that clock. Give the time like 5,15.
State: 3,38
